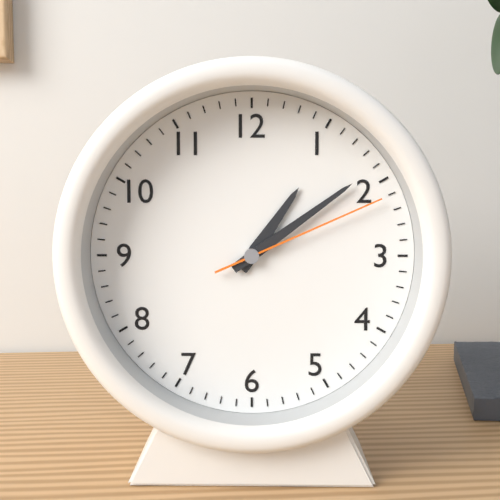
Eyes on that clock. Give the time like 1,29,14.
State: 1,09,11
